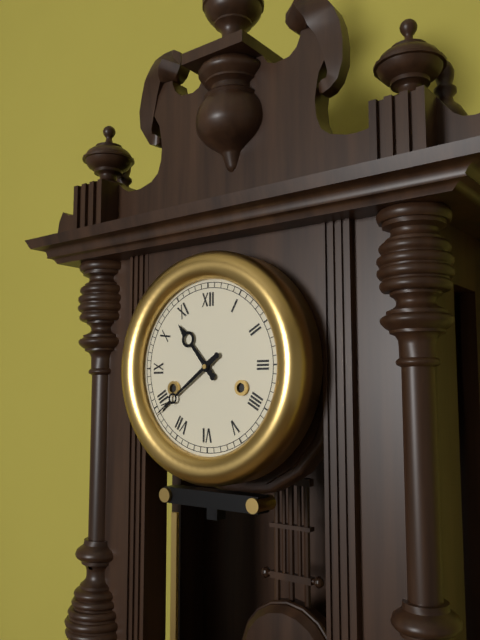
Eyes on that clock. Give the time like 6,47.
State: 10,39
